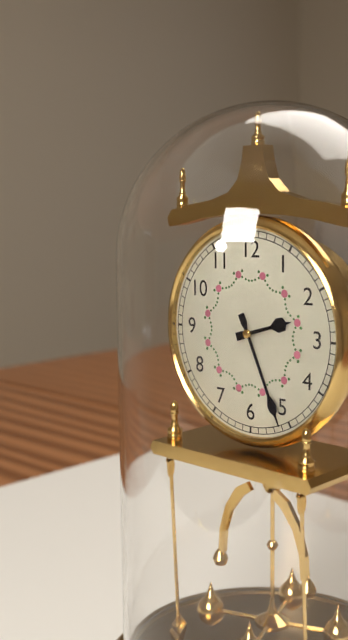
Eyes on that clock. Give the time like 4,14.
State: 2,26
